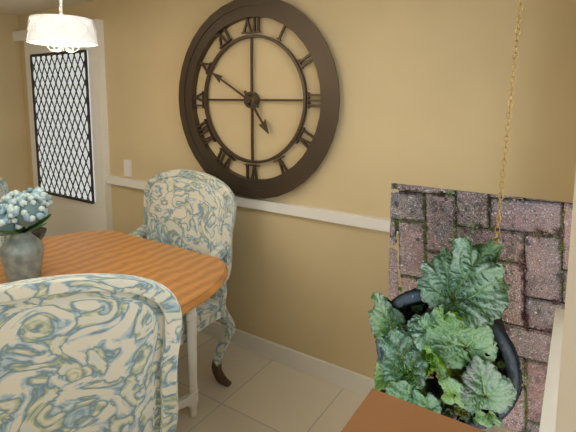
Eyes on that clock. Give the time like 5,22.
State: 4,50
